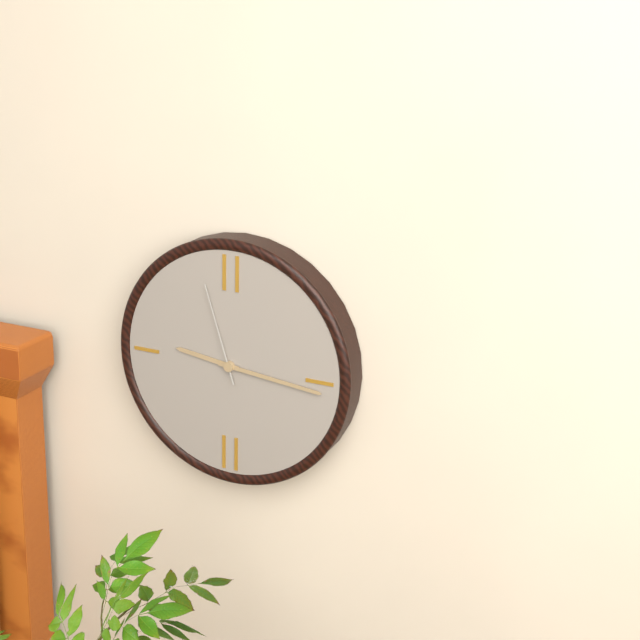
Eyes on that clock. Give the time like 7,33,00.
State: 9,16,57
